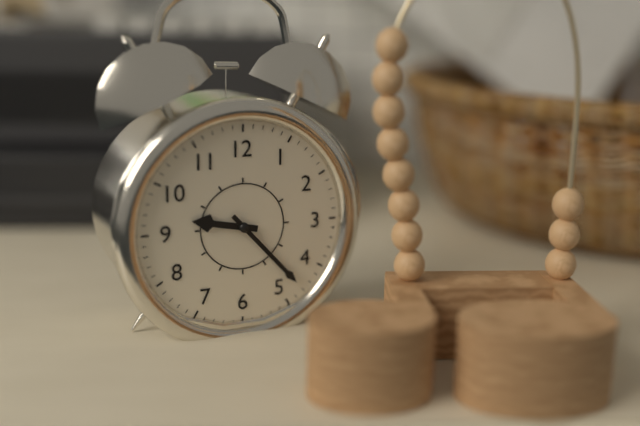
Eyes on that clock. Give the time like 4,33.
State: 9,23
